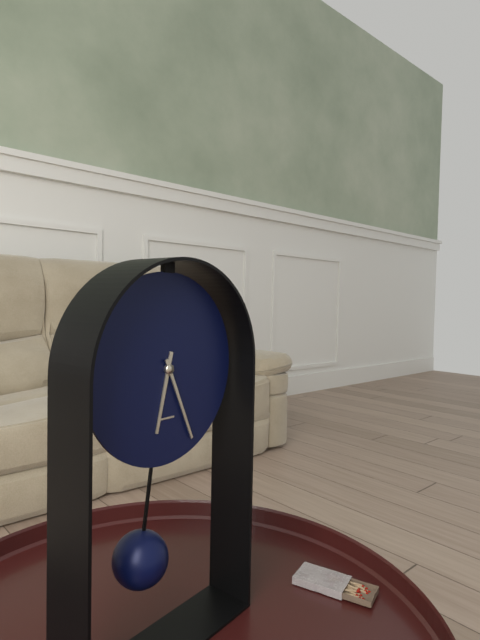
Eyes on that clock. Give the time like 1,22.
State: 6,26
